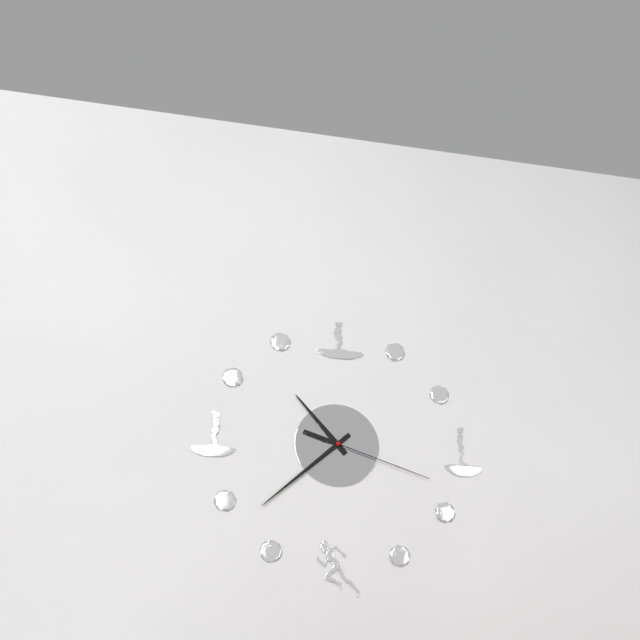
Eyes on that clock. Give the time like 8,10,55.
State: 10,38,18
